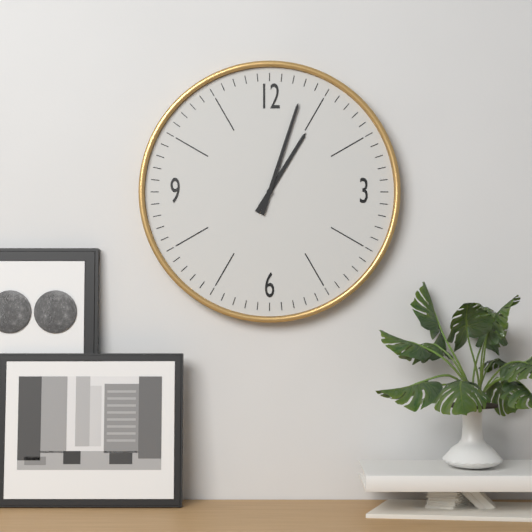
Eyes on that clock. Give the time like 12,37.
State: 1,03
